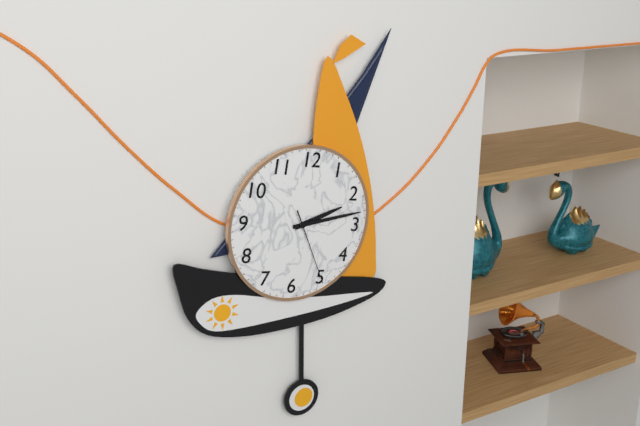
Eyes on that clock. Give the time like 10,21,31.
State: 2,13,25
